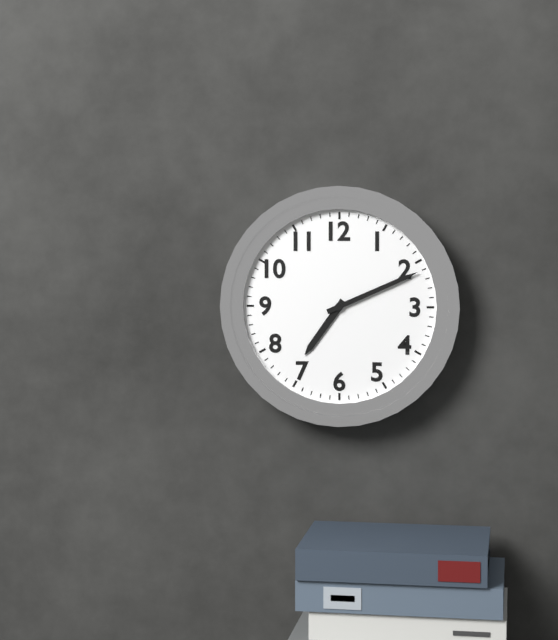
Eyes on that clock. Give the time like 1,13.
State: 7,11
